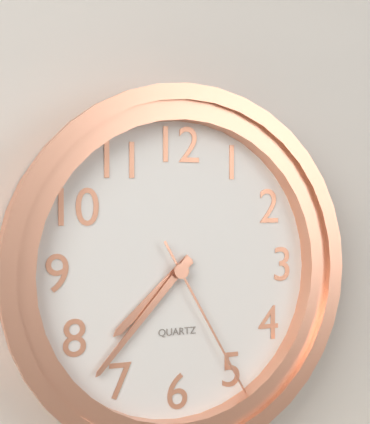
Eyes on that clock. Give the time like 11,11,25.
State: 7,37,25
